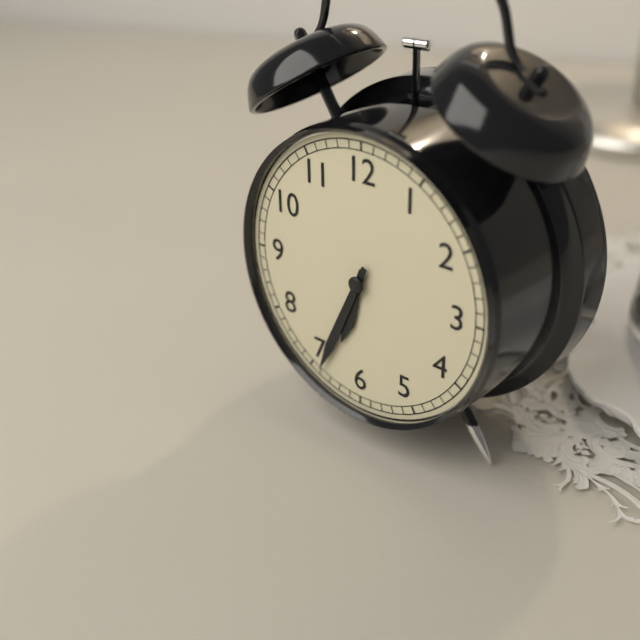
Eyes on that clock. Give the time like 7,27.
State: 6,34
